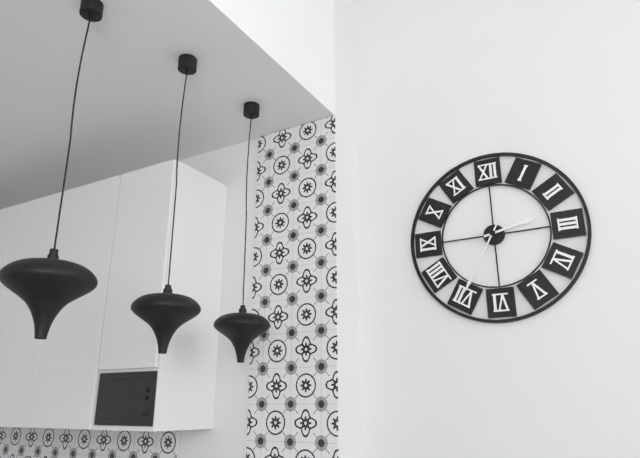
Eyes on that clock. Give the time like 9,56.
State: 2,35
